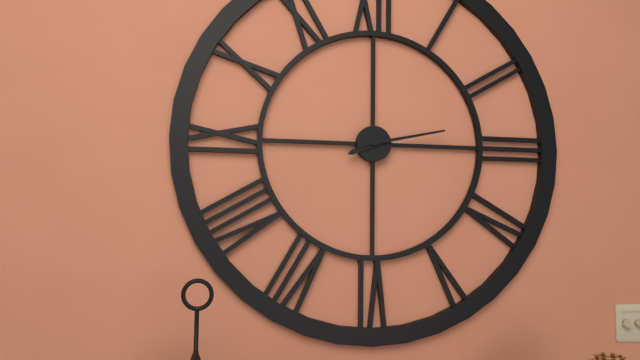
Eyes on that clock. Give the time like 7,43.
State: 8,13
